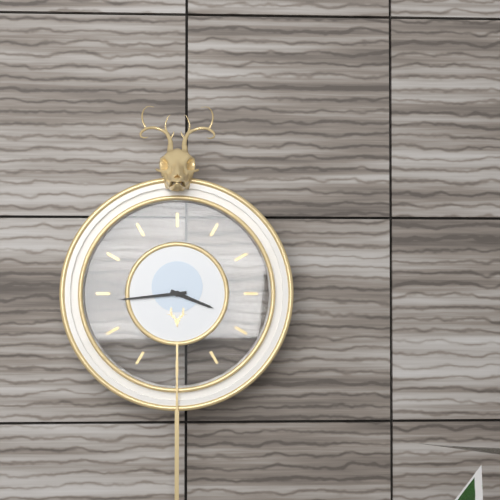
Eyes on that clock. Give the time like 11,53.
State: 3,44
